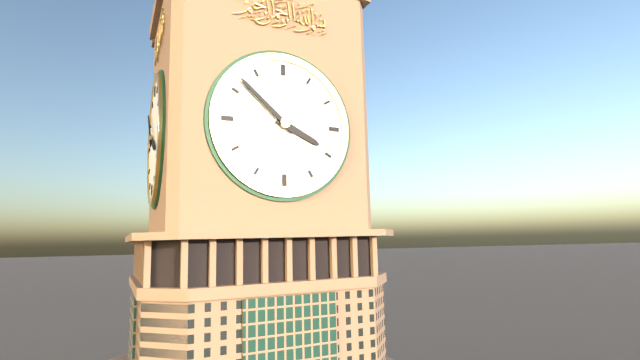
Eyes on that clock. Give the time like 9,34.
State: 3,52
